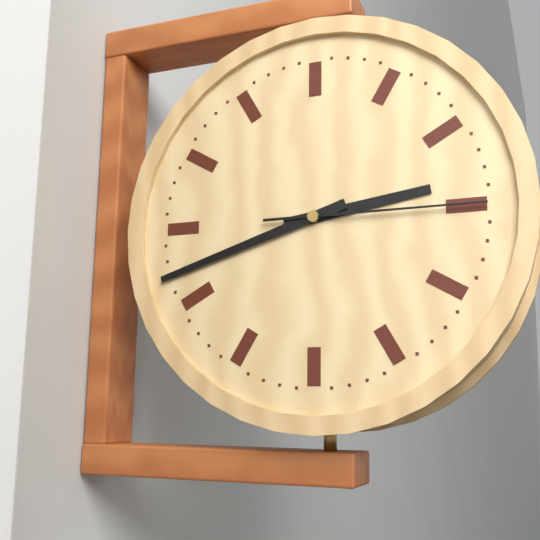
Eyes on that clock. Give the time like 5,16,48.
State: 2,42,15
